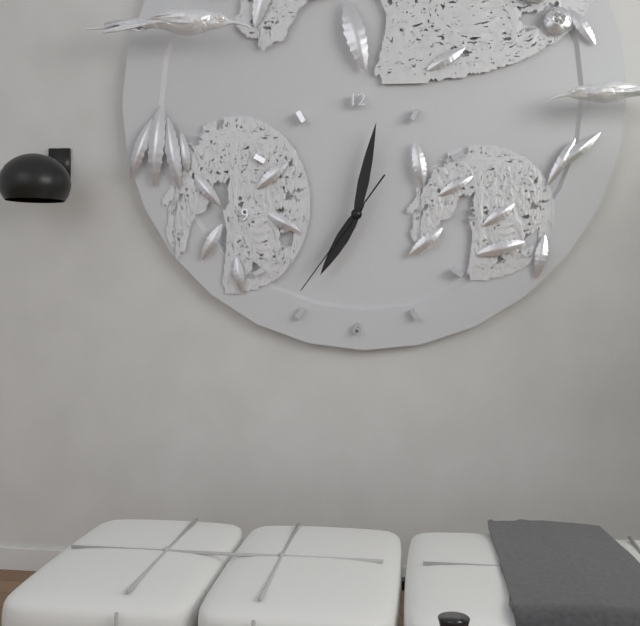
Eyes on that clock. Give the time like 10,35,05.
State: 7,02,36
